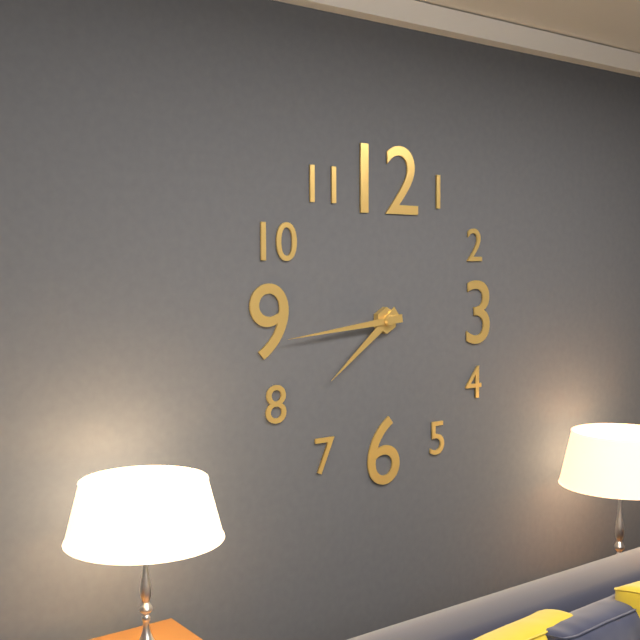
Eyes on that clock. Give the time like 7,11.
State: 7,44
